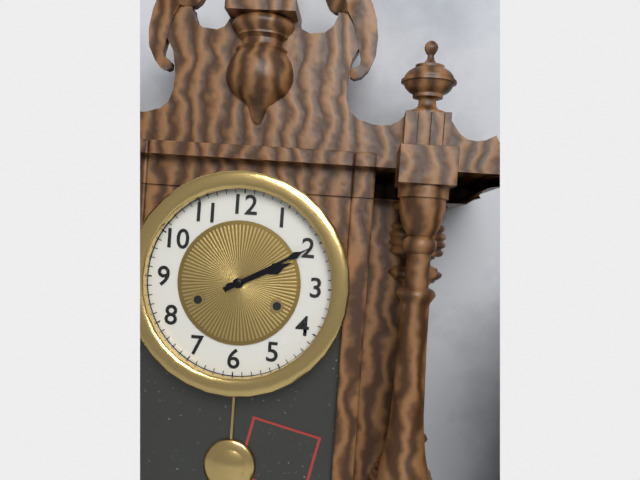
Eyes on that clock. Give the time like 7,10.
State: 2,10
